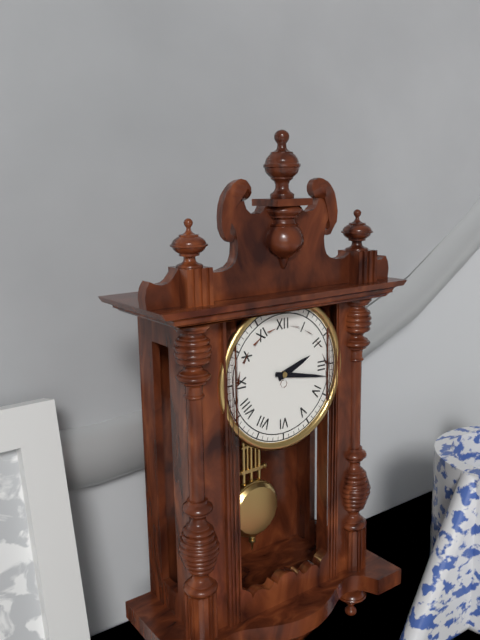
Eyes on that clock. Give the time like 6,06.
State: 2,17
